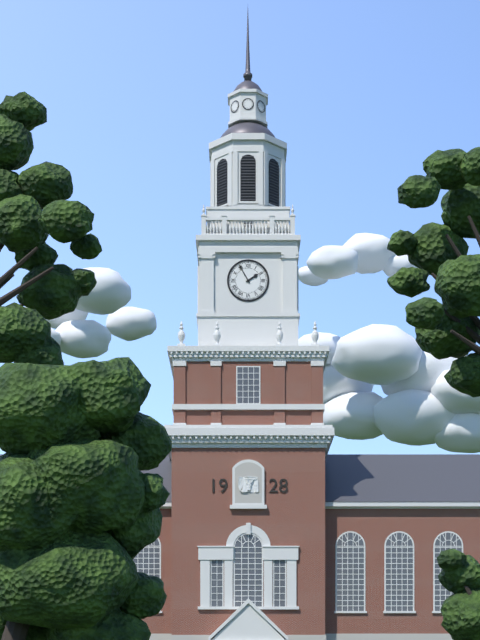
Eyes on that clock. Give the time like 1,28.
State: 1,55
